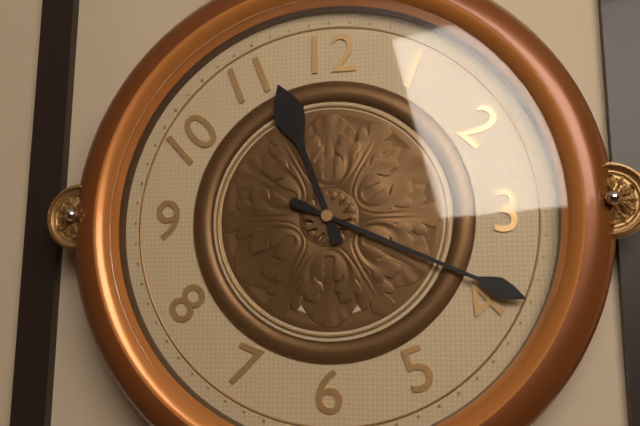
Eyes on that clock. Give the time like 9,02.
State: 11,19
